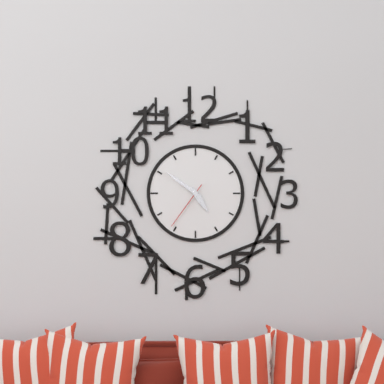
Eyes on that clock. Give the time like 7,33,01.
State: 4,51,36
